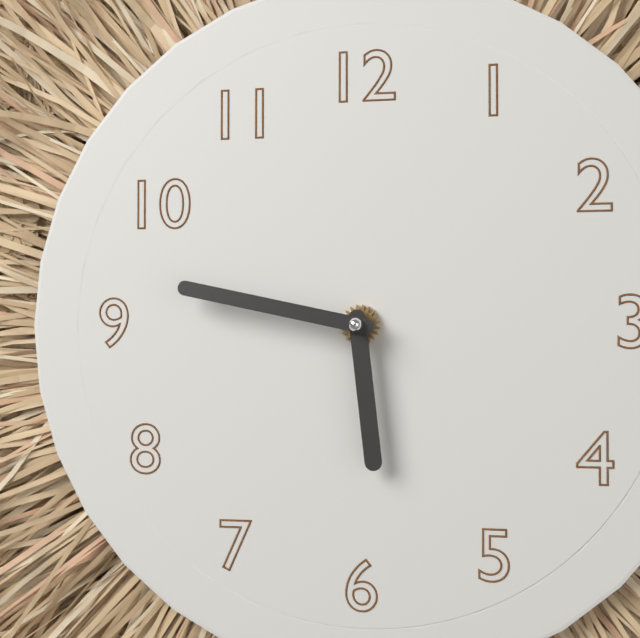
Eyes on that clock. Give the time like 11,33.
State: 5,47
